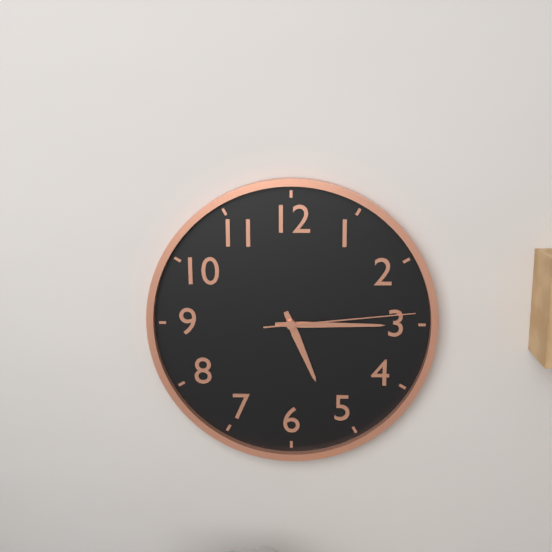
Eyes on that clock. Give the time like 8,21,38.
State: 5,15,14
